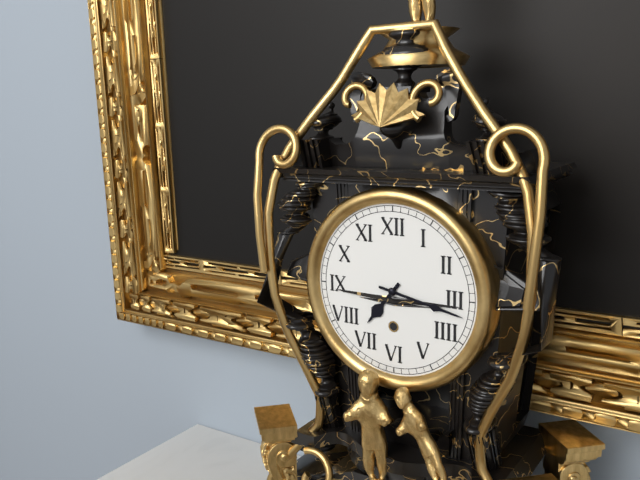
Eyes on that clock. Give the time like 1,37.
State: 7,17
